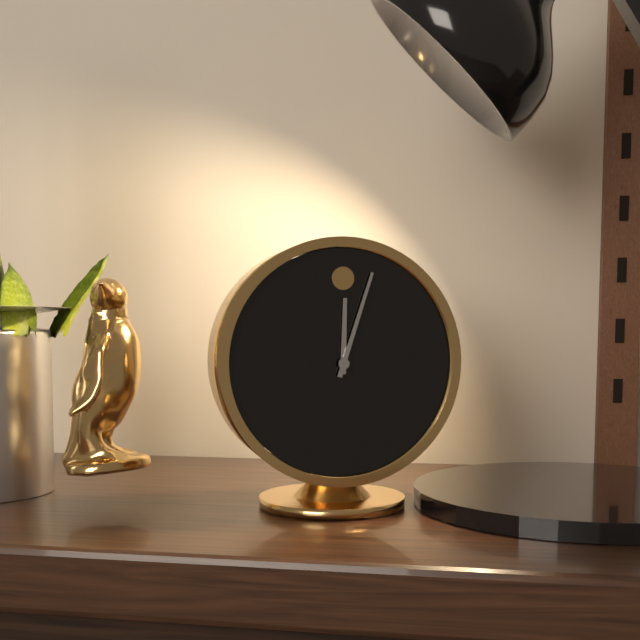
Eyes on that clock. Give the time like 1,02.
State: 12,03
